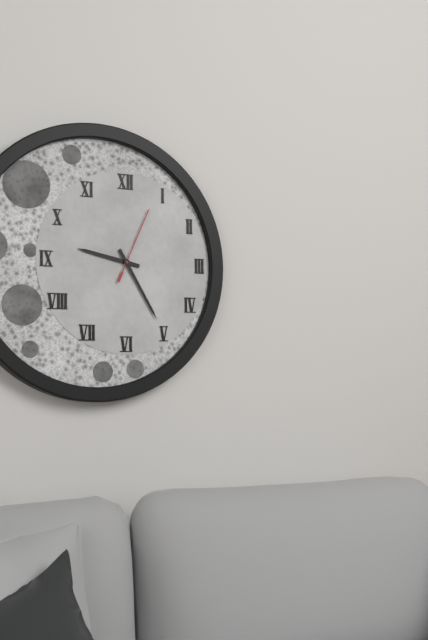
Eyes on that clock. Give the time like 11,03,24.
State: 9,25,04
